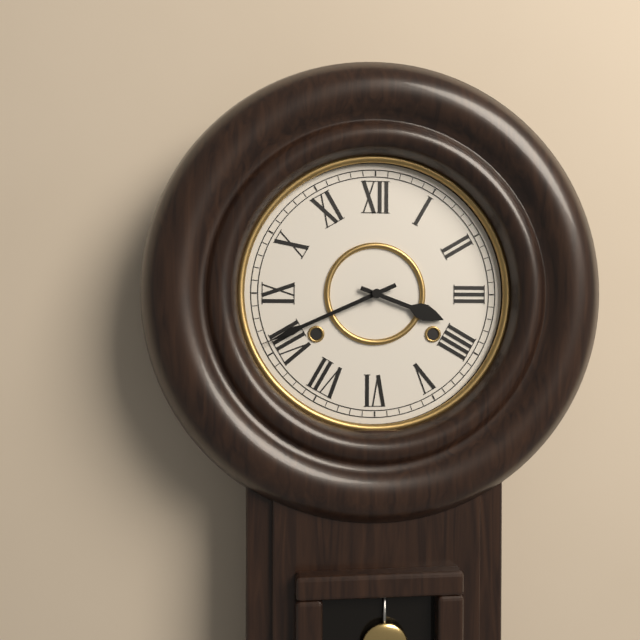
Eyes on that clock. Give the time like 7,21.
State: 3,41
